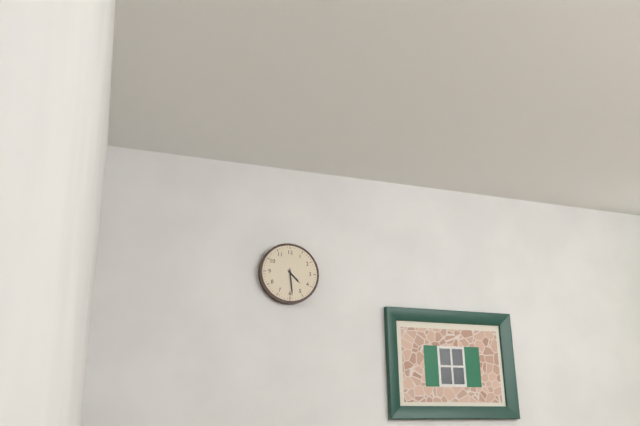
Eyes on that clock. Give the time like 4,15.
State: 4,29
